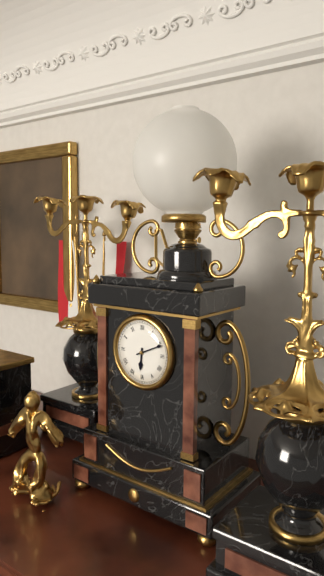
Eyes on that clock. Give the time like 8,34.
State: 6,11
